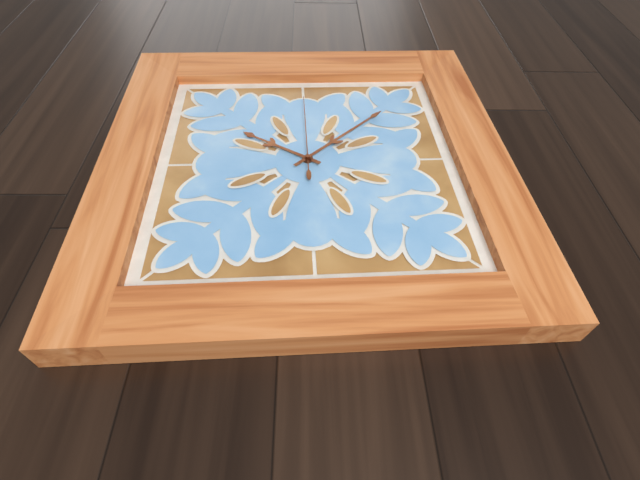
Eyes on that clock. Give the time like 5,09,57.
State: 10,08,00
